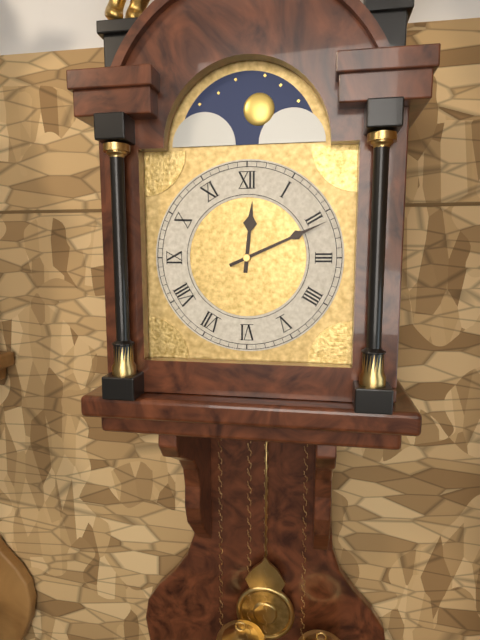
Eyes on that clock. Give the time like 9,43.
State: 12,11
